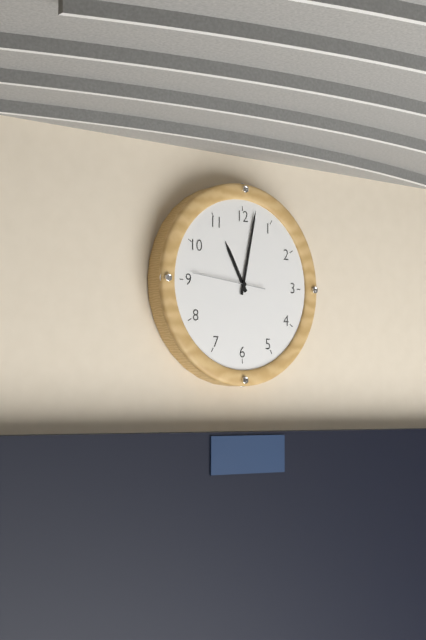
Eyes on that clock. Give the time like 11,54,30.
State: 11,02,46
